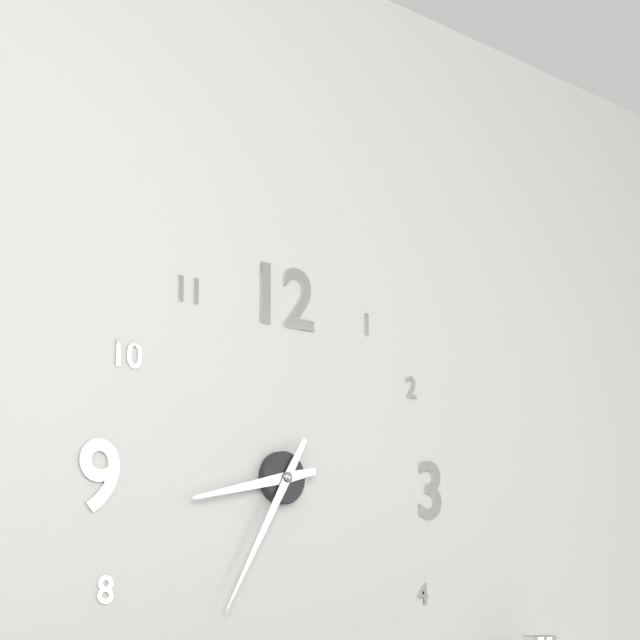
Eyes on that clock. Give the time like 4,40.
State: 8,35
